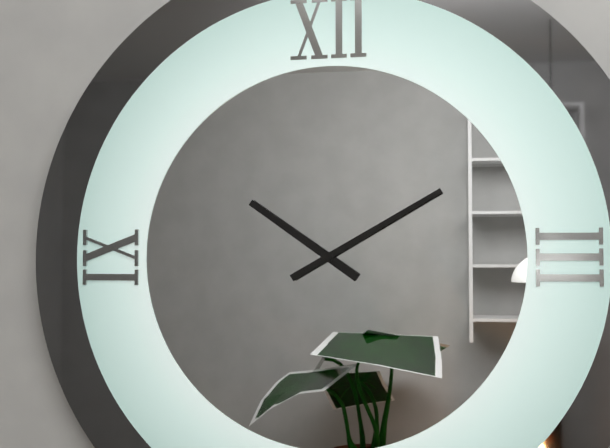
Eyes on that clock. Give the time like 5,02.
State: 10,10
